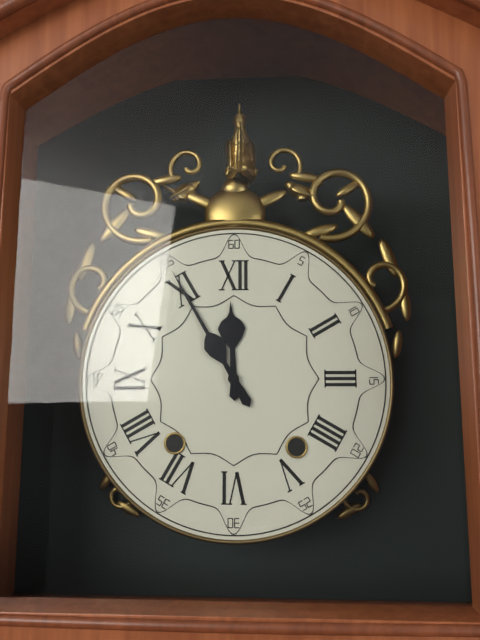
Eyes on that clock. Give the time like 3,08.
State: 11,55
